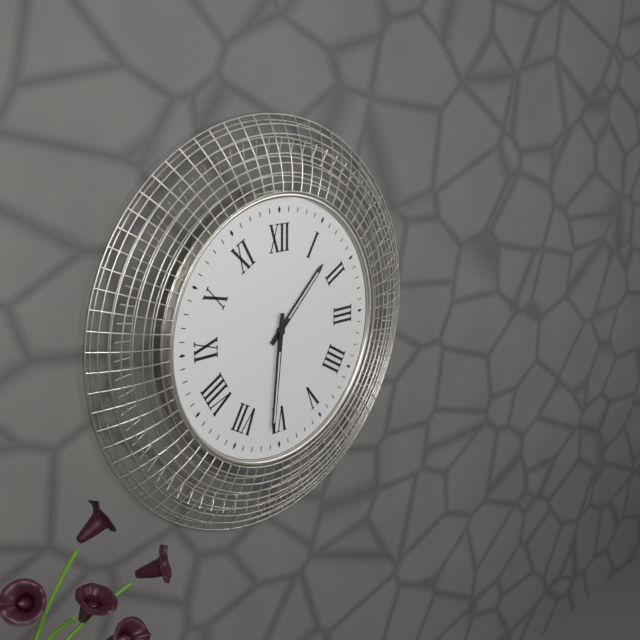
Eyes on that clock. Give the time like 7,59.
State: 1,31
